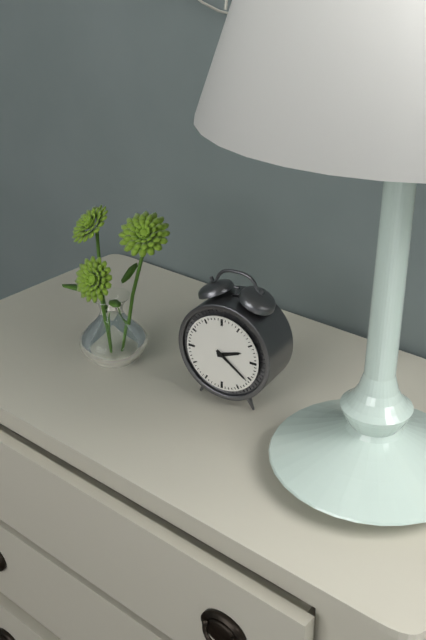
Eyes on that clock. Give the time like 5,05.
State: 2,21
